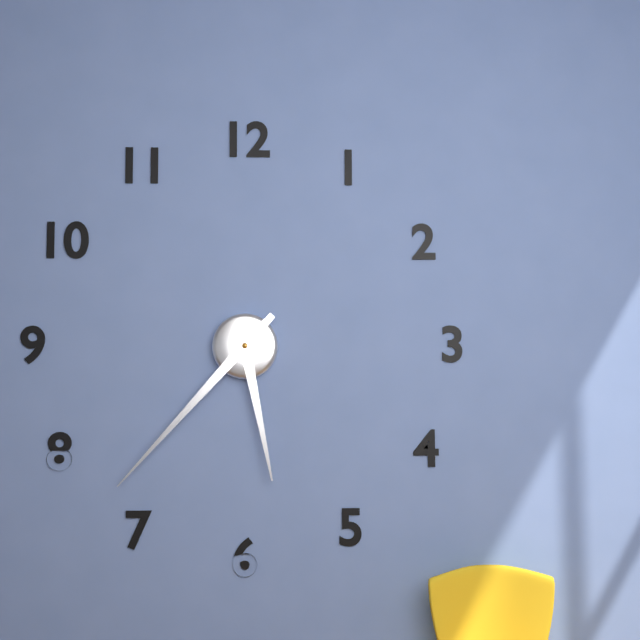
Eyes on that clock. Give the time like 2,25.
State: 5,37
